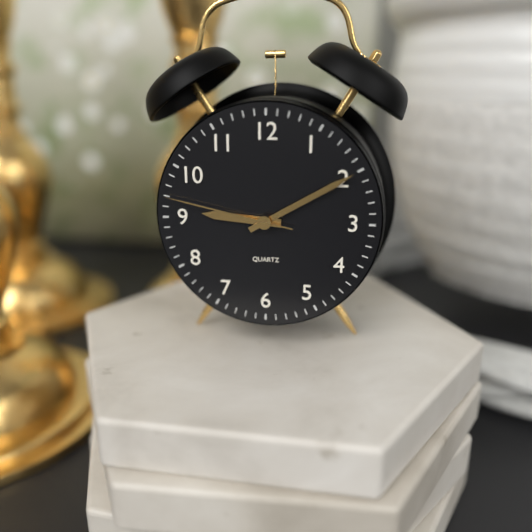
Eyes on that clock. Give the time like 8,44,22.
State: 9,10,47
